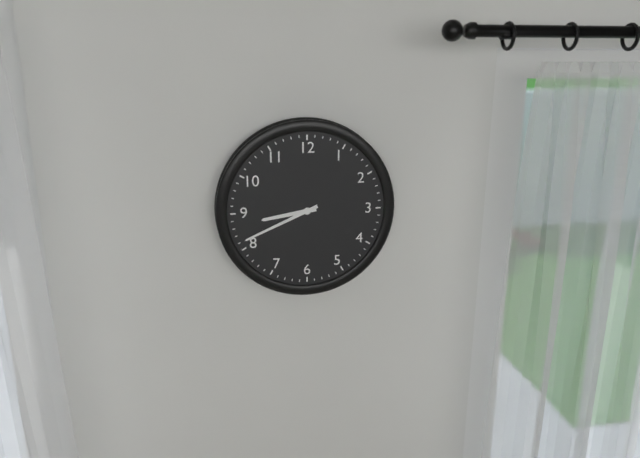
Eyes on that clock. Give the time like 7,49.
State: 8,41
